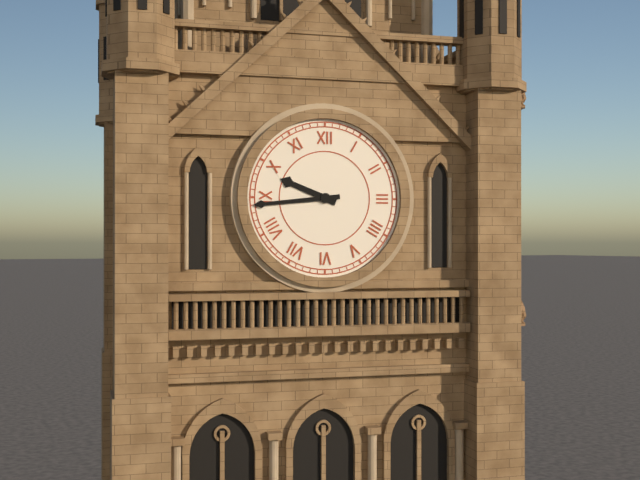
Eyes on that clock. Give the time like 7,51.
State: 9,44
